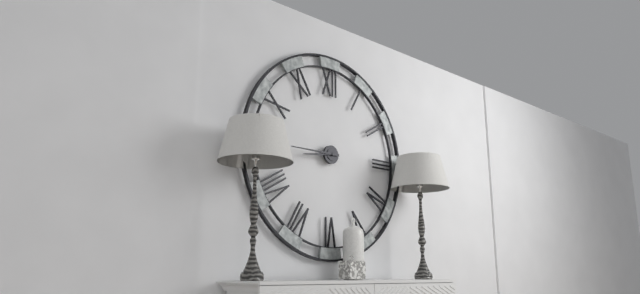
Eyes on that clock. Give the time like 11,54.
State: 8,45
